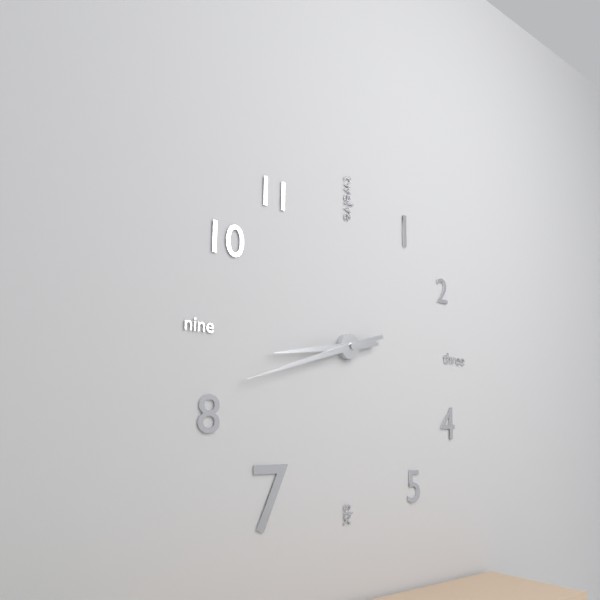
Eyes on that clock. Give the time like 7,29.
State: 8,42
